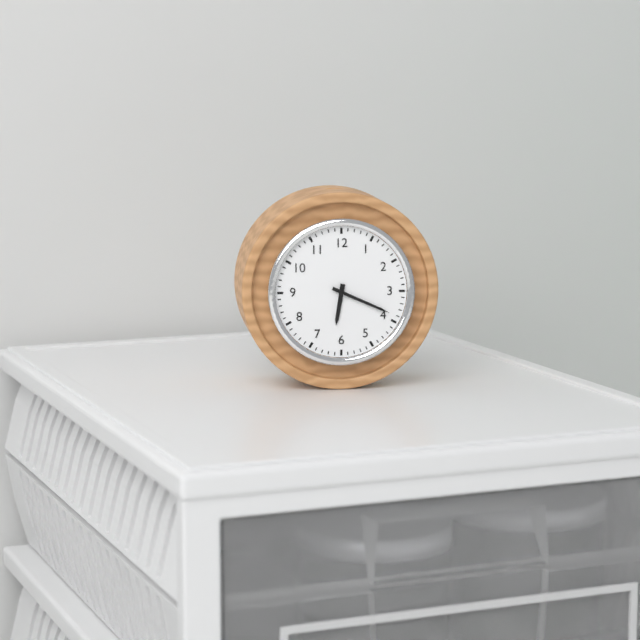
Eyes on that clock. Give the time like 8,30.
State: 6,19
